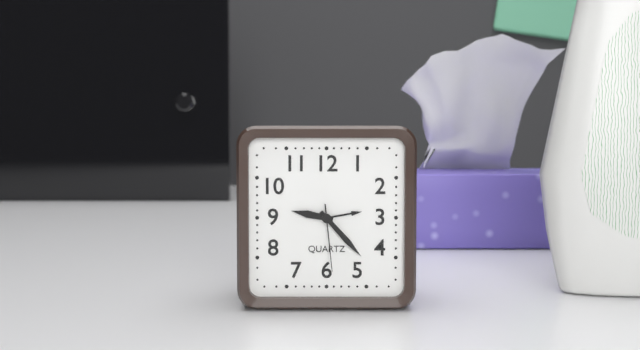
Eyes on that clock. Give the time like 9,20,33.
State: 9,23,29
